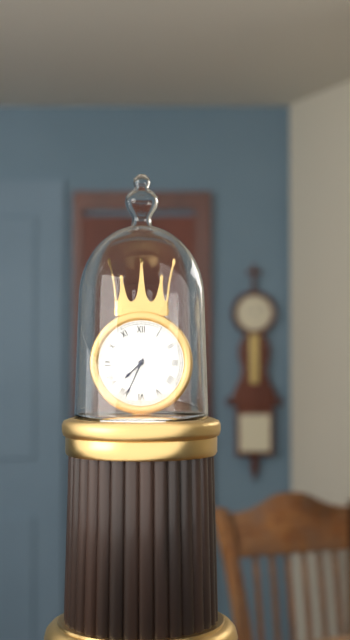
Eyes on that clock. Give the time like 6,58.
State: 7,34
